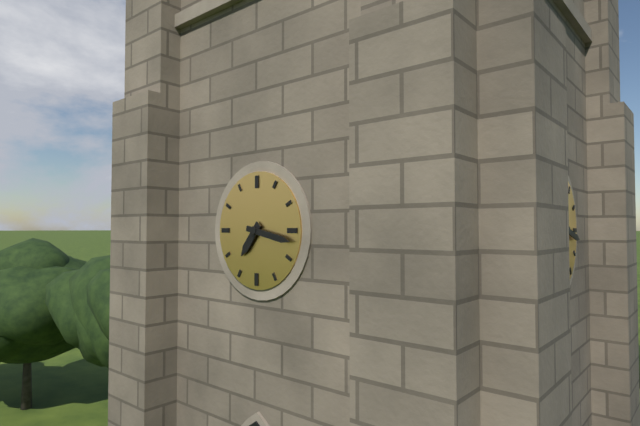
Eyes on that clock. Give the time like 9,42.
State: 7,17
